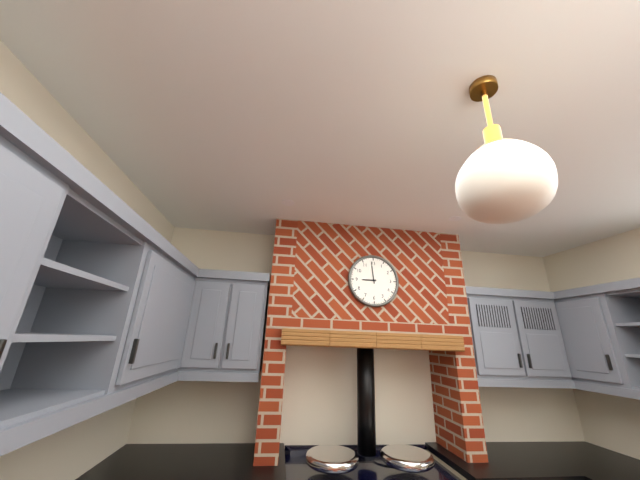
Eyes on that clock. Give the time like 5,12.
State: 8,59
